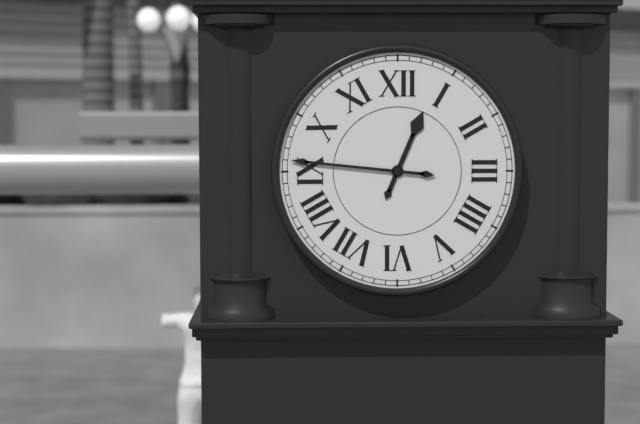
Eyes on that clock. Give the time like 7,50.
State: 12,46
